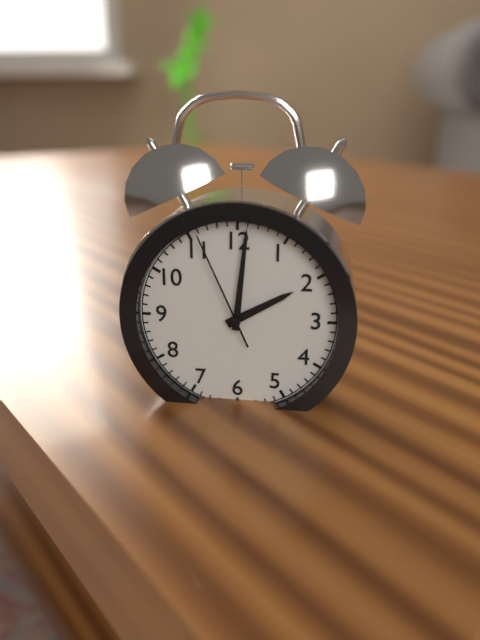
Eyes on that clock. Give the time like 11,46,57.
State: 2,01,56
